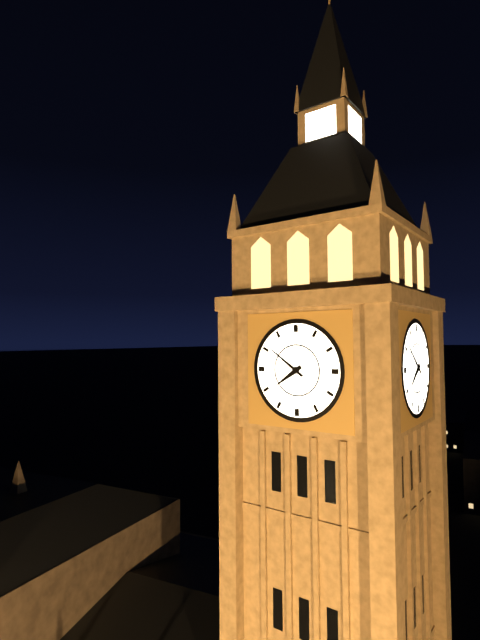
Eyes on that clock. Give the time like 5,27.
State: 7,51
